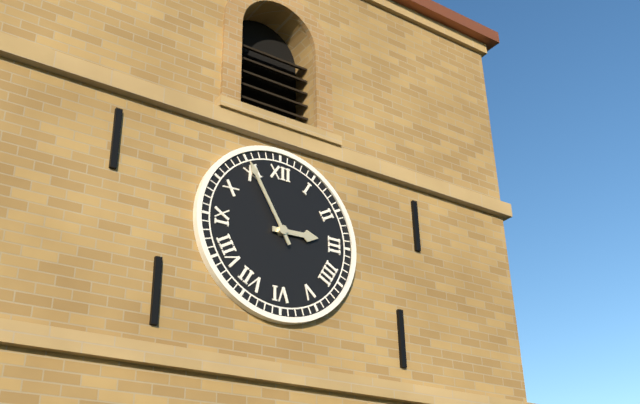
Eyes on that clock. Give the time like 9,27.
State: 2,55
